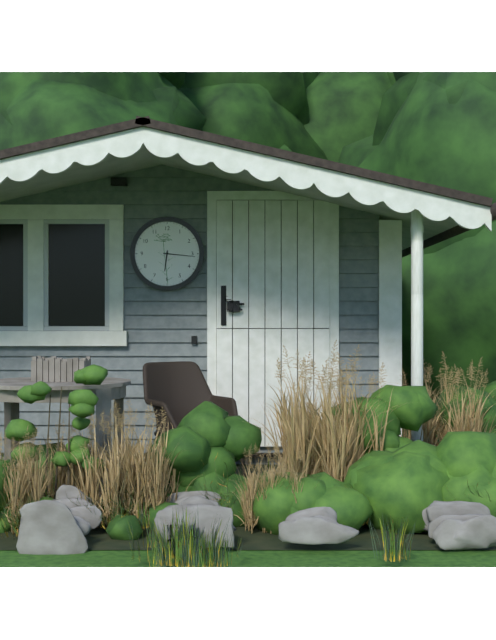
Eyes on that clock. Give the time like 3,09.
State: 6,16
